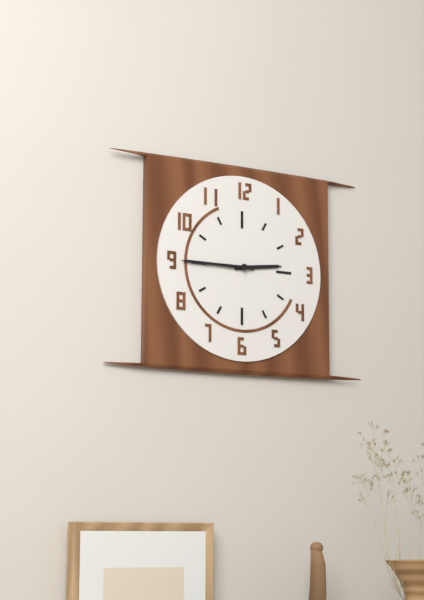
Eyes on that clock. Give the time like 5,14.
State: 2,45
